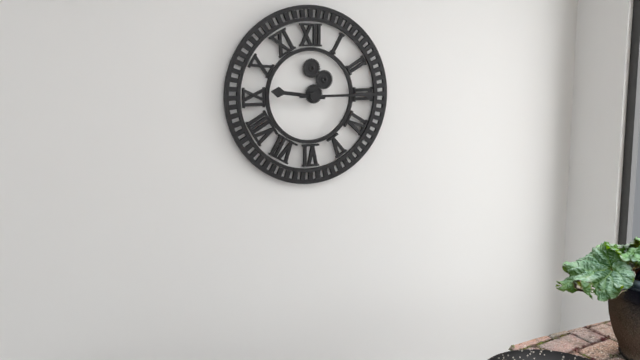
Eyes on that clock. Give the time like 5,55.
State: 9,15
